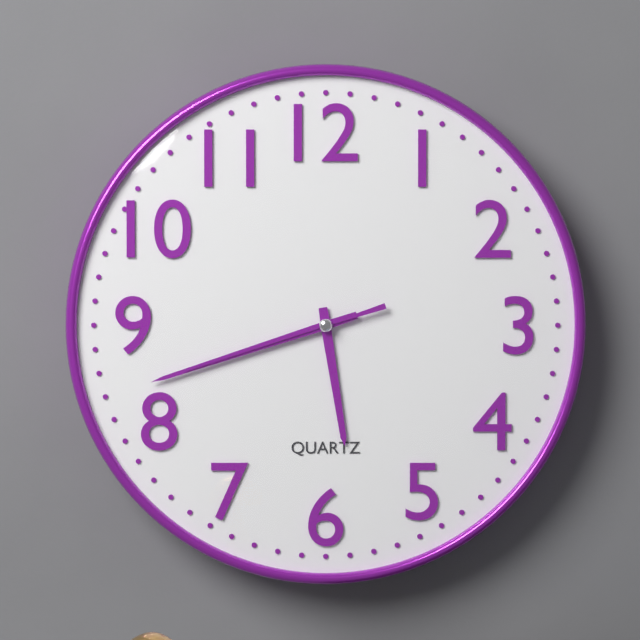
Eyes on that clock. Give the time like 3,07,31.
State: 5,42,42
